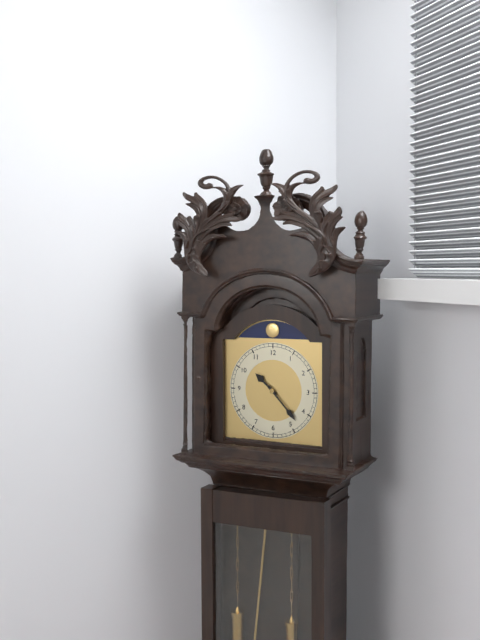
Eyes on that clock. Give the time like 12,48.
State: 10,23
